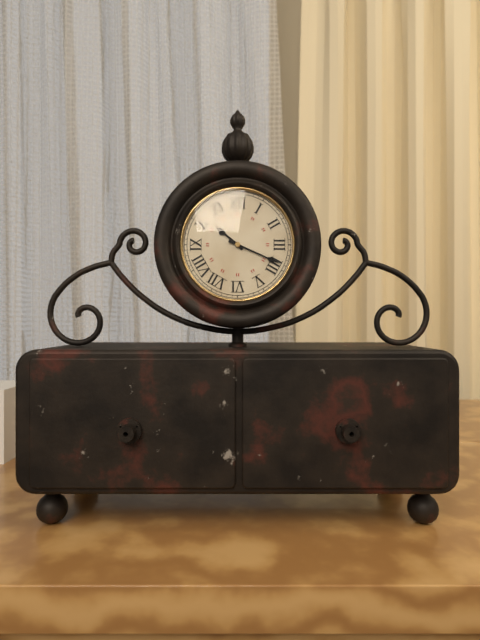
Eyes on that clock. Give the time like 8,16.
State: 10,19
